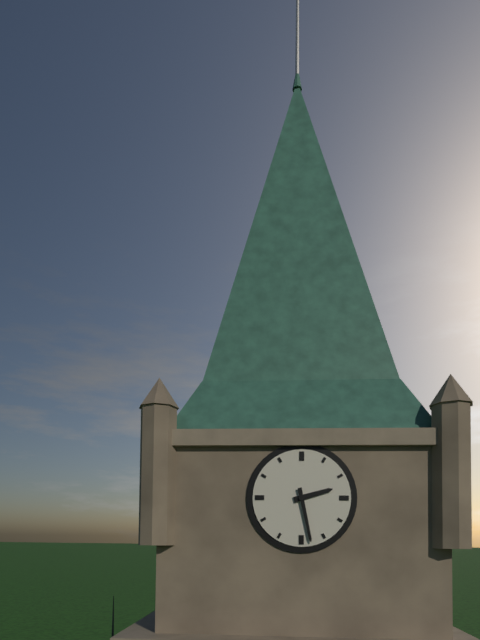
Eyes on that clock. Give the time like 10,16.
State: 2,28
